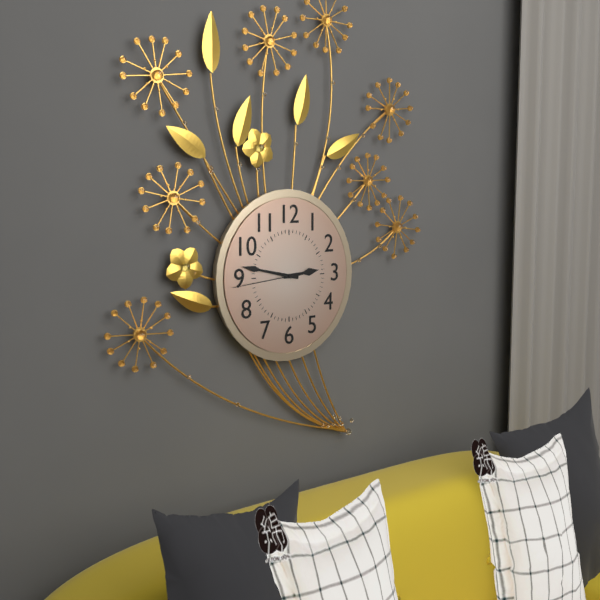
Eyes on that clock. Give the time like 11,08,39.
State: 2,47,44
